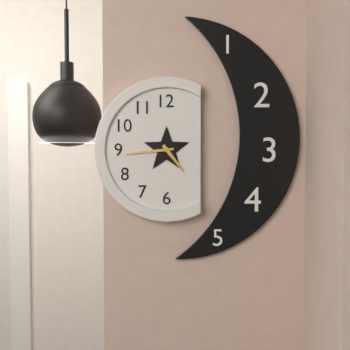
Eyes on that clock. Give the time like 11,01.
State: 4,44
